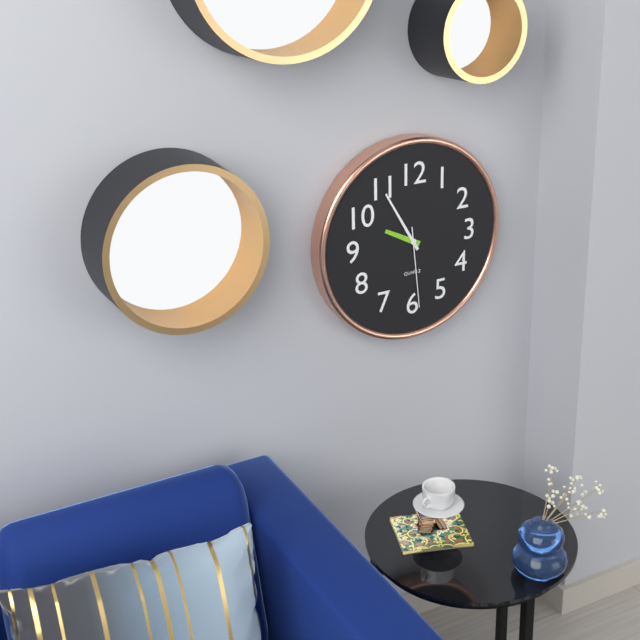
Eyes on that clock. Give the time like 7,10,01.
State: 9,55,29
